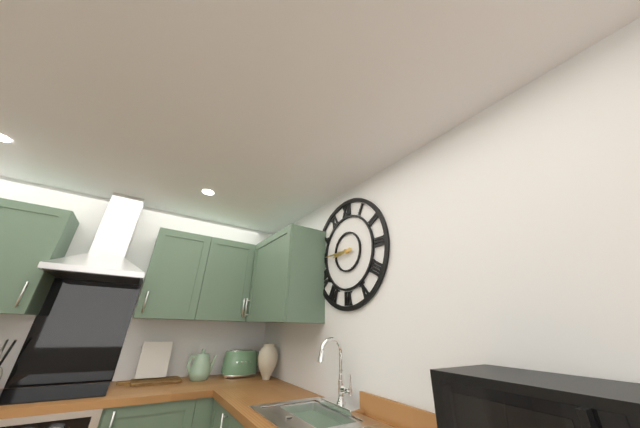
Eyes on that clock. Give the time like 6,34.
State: 8,45
